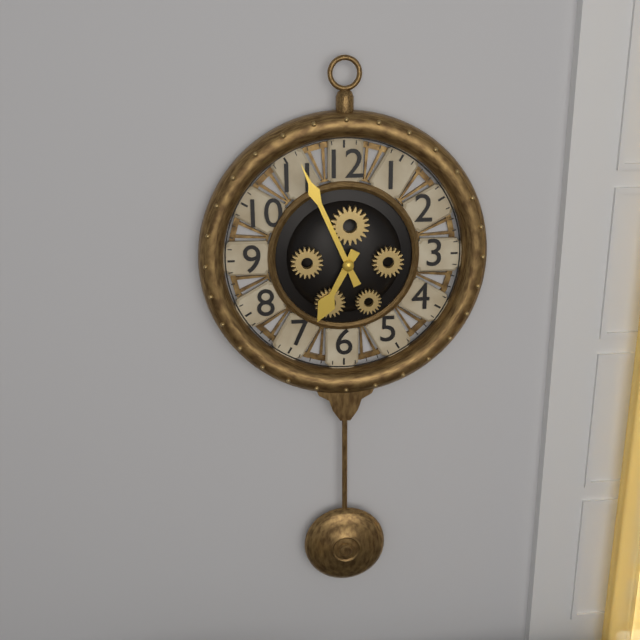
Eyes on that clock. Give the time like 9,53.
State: 6,56
